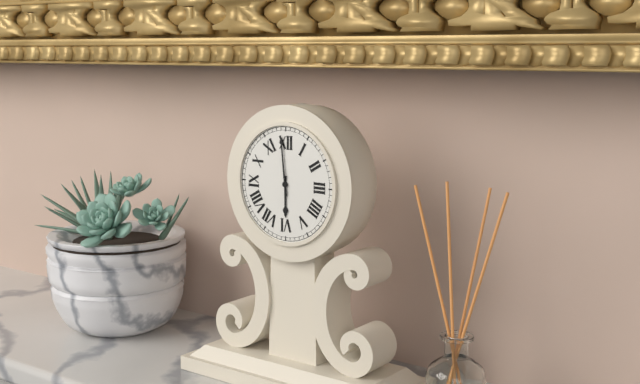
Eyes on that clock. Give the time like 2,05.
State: 5,59
